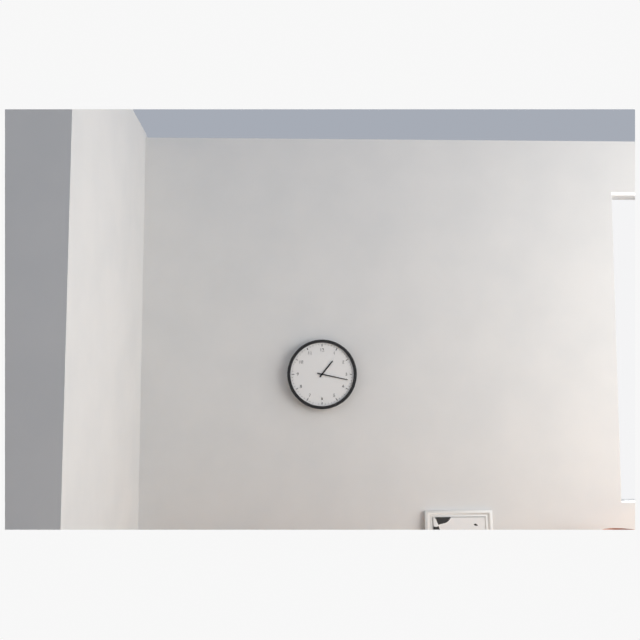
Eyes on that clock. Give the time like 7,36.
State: 1,17
